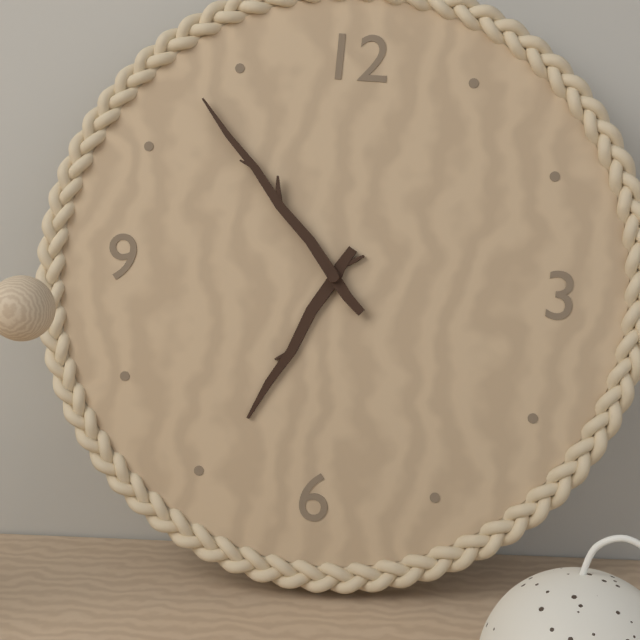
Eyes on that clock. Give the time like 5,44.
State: 6,53
